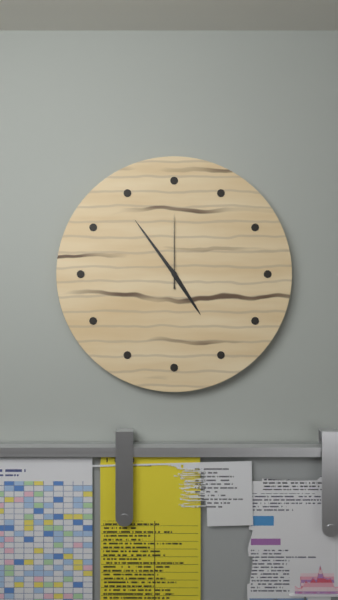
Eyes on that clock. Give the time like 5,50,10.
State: 4,54,00
